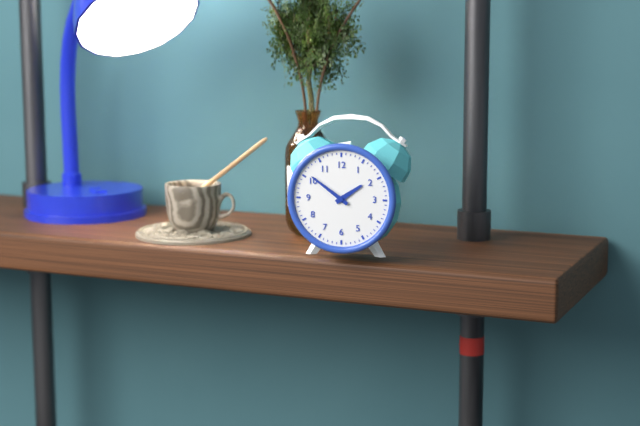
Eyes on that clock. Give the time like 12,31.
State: 1,51
